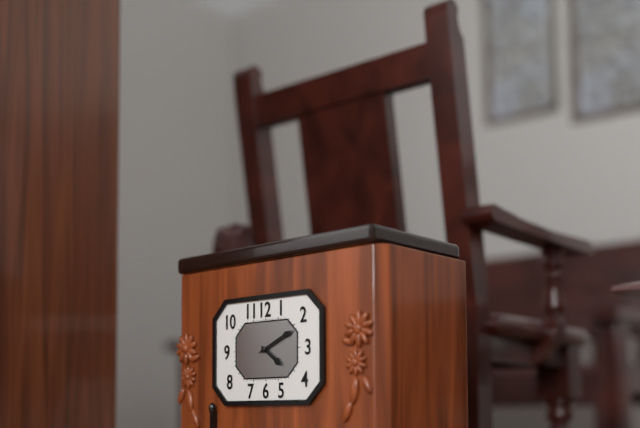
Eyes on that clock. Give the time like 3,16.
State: 4,11
